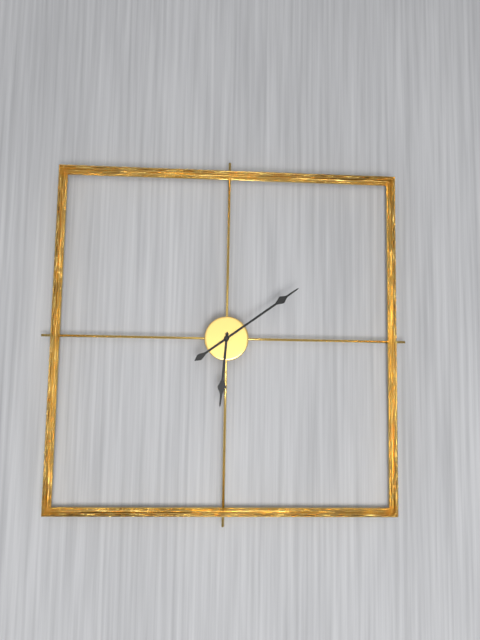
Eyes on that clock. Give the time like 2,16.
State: 6,09
